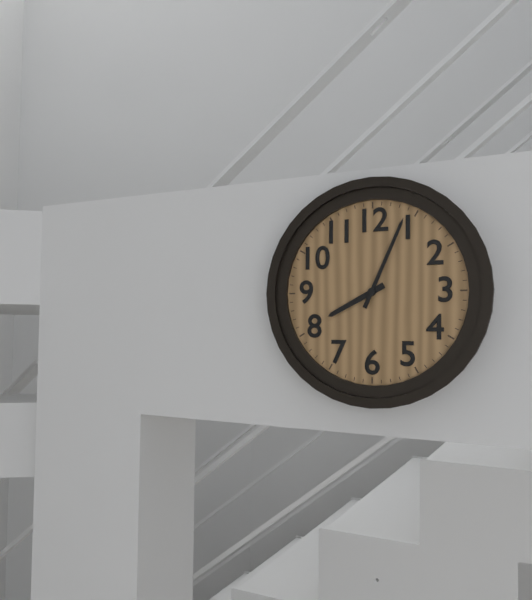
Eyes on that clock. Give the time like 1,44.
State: 8,04
